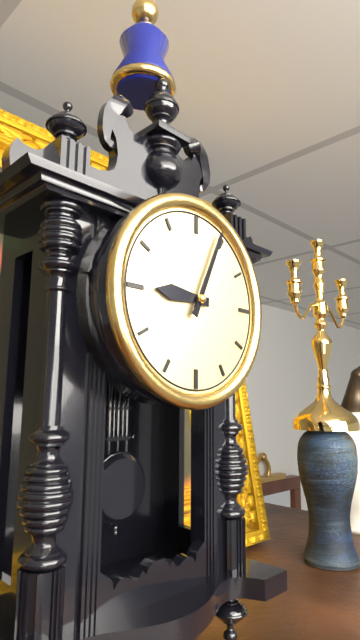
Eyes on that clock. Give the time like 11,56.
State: 9,04
